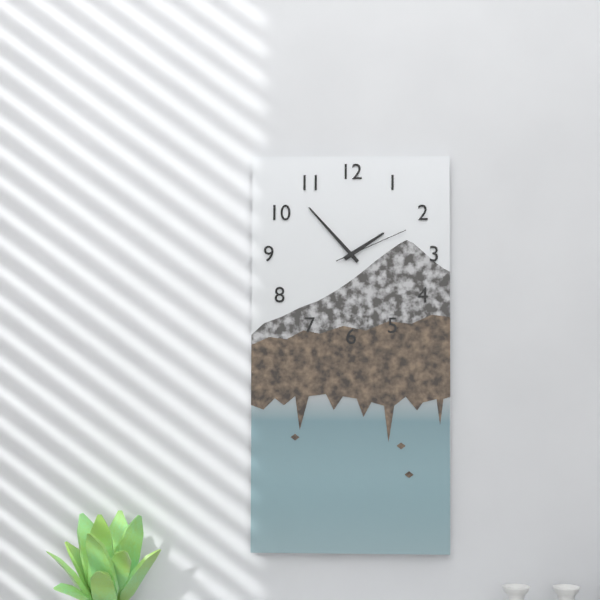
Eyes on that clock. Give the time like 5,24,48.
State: 1,53,11
